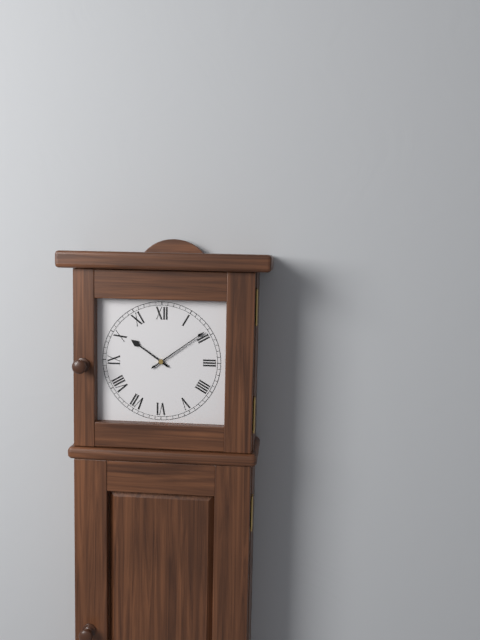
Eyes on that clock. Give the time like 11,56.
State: 10,09
